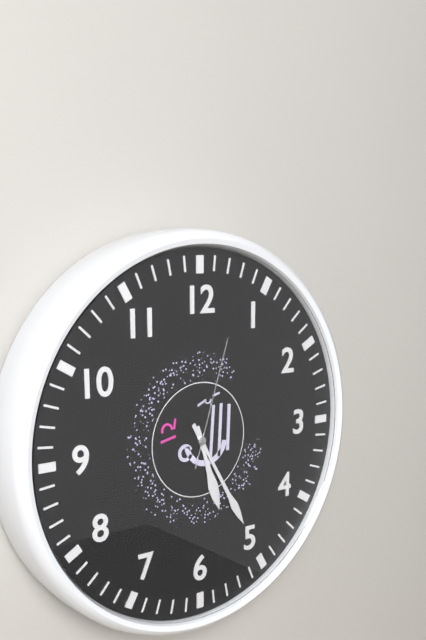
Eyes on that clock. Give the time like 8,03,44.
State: 5,25,03
